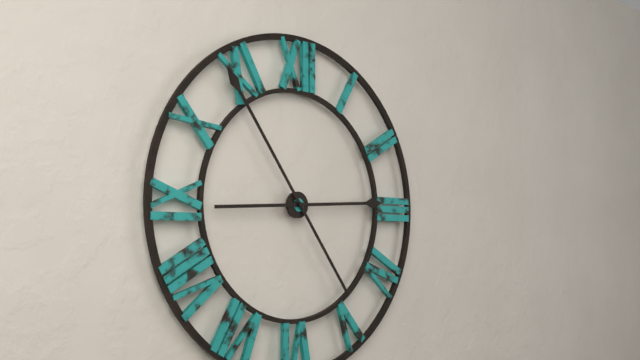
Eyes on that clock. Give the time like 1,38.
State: 2,54
